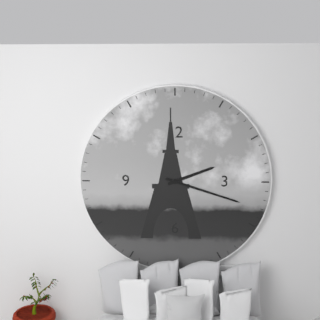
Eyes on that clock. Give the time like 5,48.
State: 2,18
